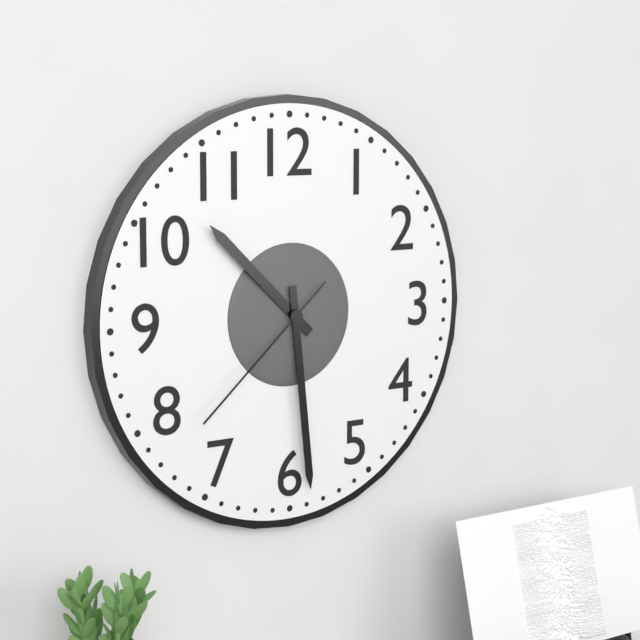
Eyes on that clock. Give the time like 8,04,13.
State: 10,29,38
